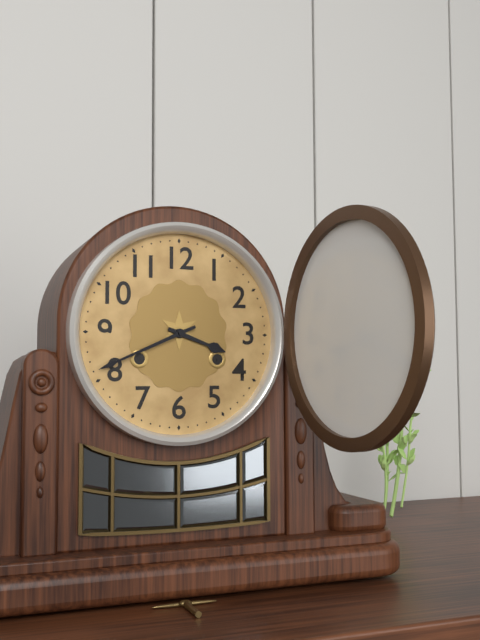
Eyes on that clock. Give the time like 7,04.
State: 3,41
